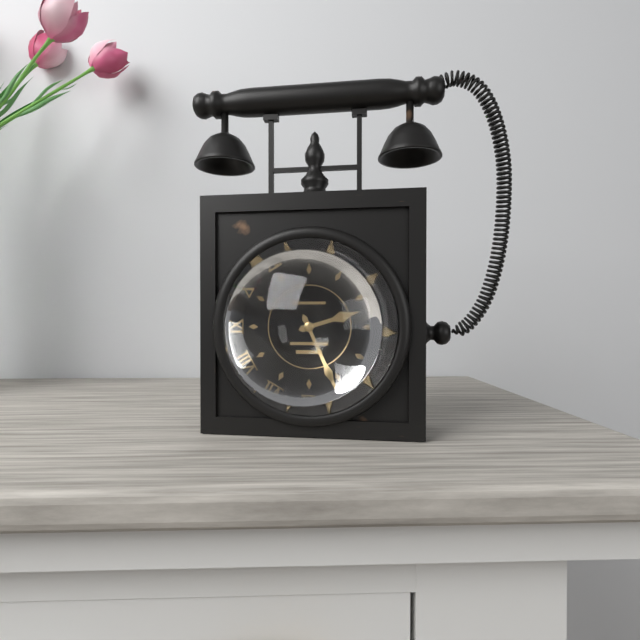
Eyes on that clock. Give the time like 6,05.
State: 2,26
